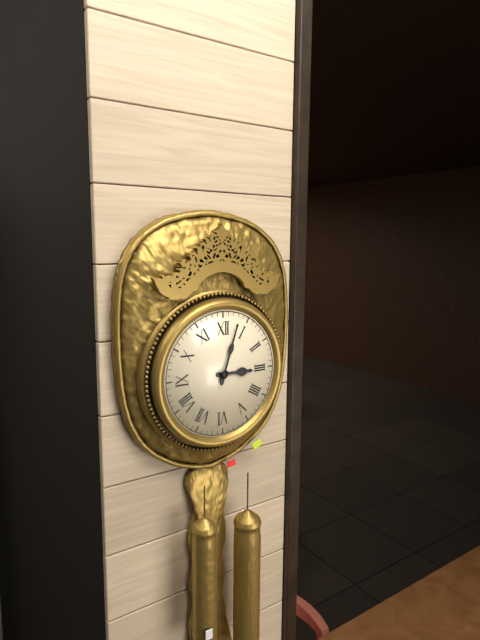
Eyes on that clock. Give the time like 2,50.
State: 3,03
